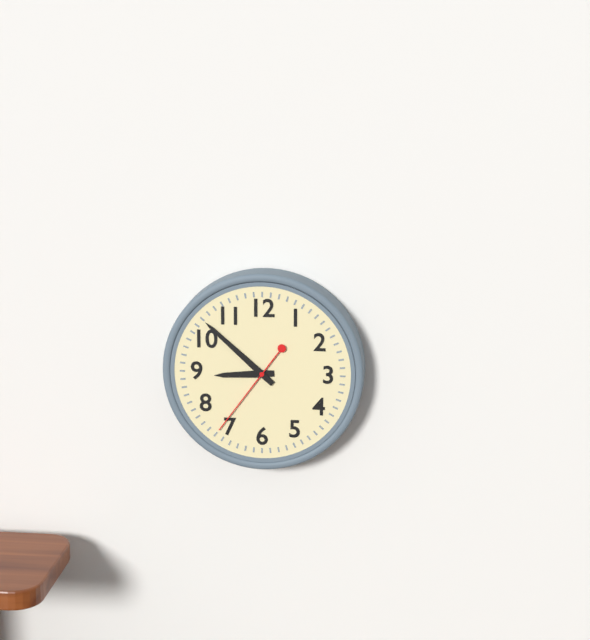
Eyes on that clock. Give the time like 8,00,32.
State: 8,52,36
